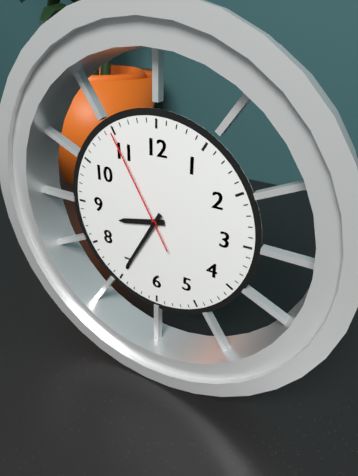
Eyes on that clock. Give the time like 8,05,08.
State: 8,35,55
